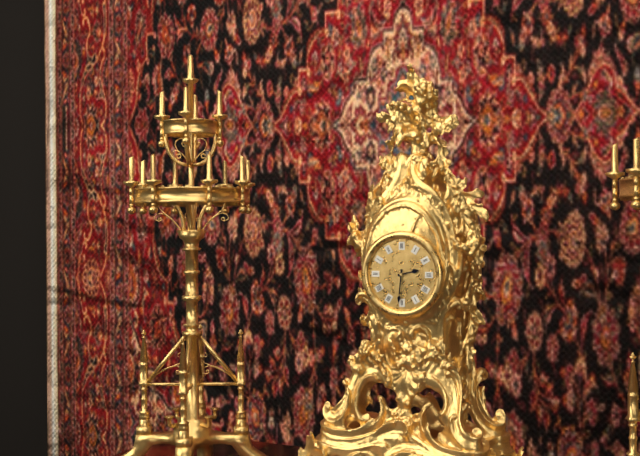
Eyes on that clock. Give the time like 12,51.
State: 2,31
